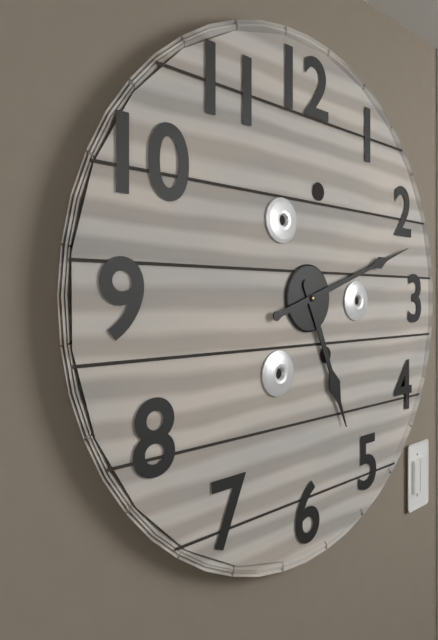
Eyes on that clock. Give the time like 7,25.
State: 5,12
